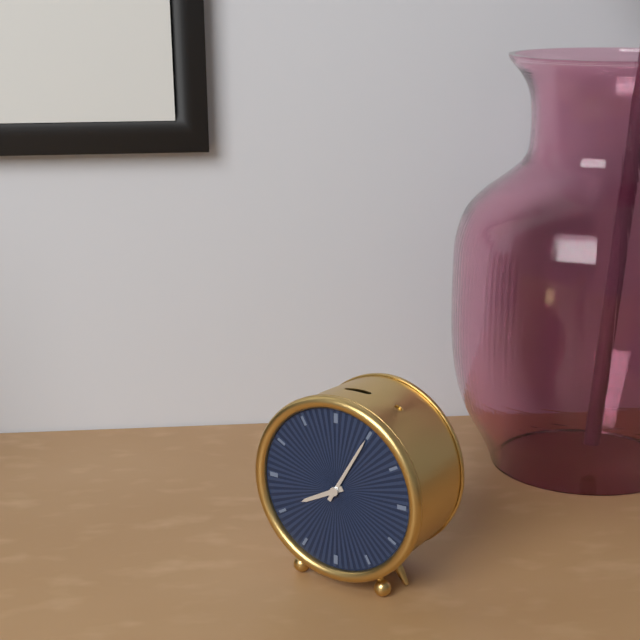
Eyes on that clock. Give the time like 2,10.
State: 8,05
